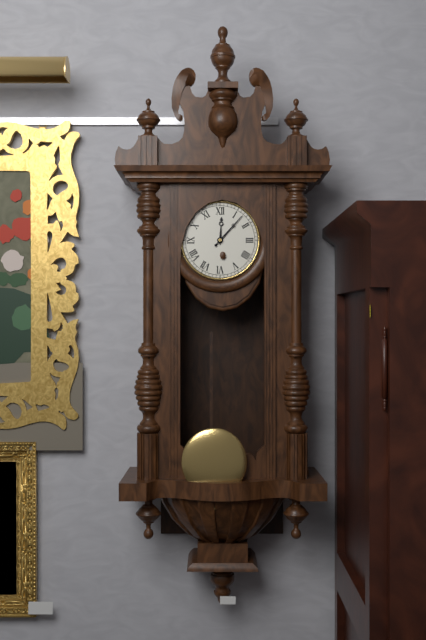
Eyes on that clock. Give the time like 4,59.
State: 12,07
